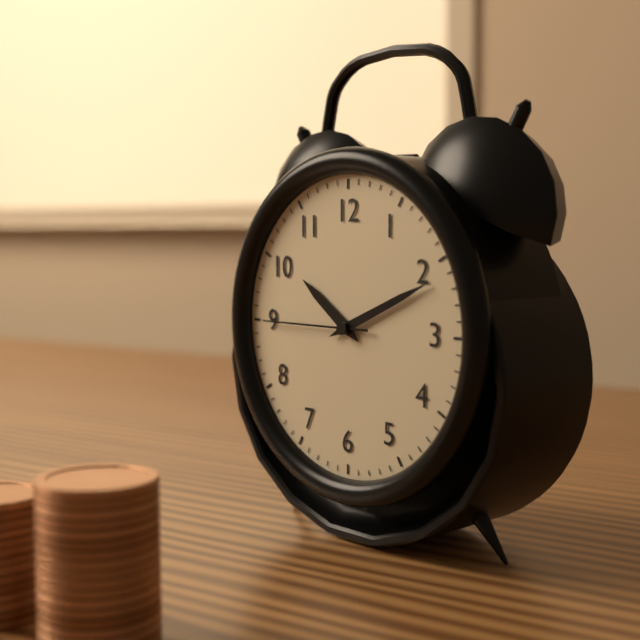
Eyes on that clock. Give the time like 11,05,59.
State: 10,11,45
